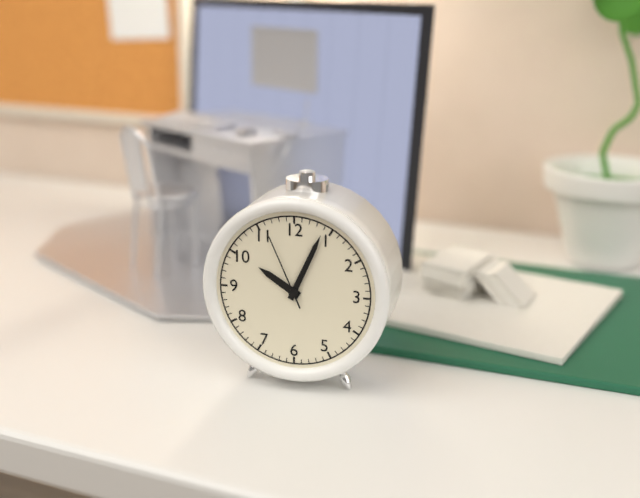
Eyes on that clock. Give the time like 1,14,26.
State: 10,04,56
